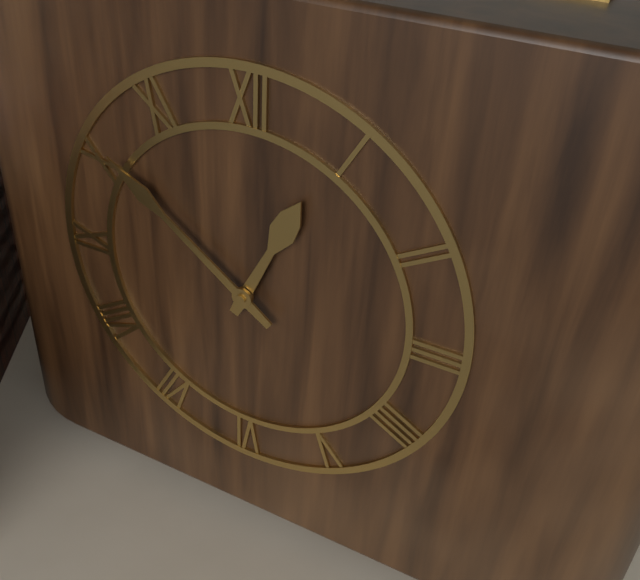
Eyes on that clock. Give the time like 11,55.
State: 12,51
